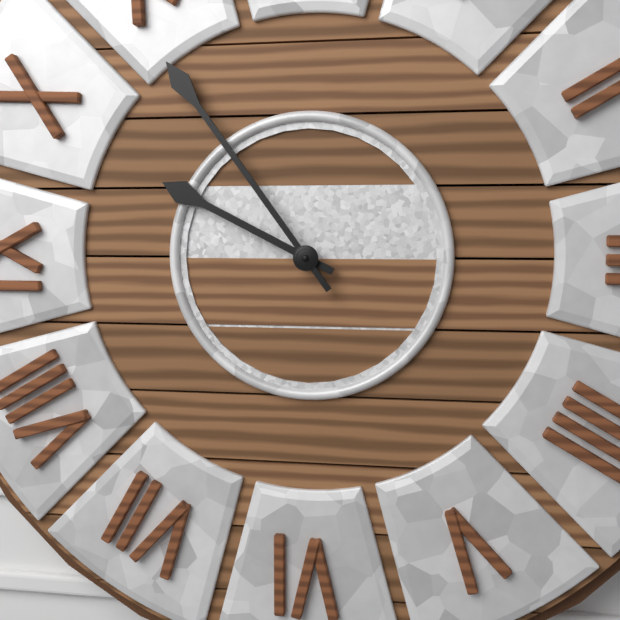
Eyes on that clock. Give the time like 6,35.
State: 9,54
